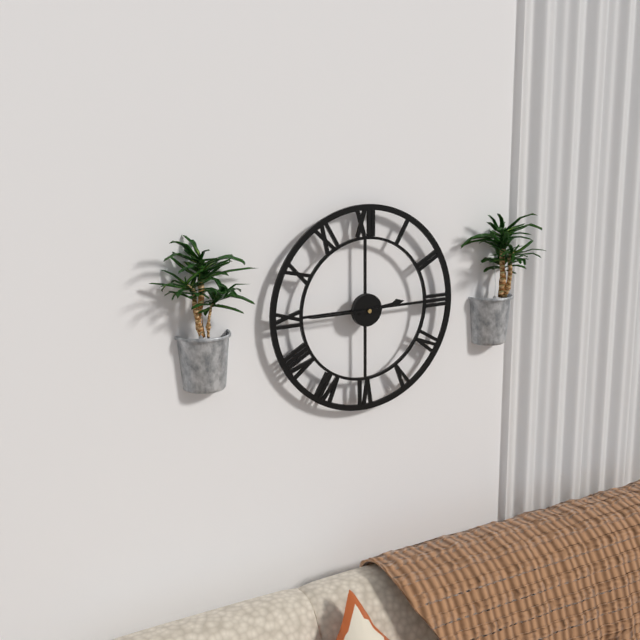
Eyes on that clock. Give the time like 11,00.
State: 2,45
